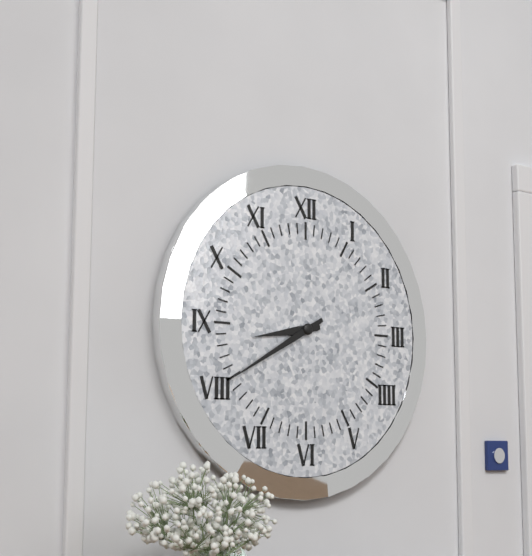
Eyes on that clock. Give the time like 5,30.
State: 8,40
